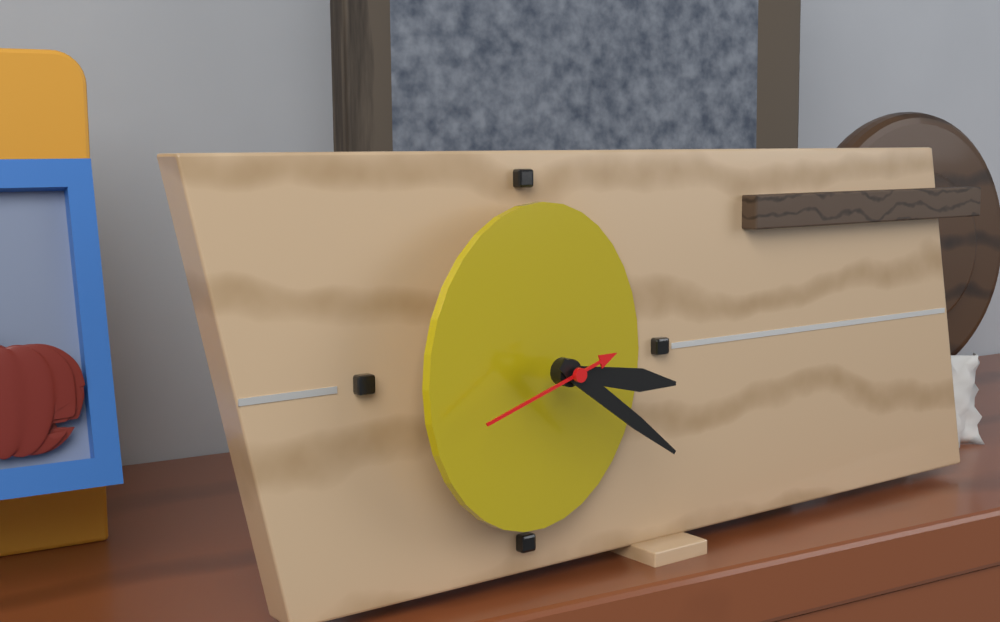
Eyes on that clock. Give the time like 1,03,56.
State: 3,21,42
